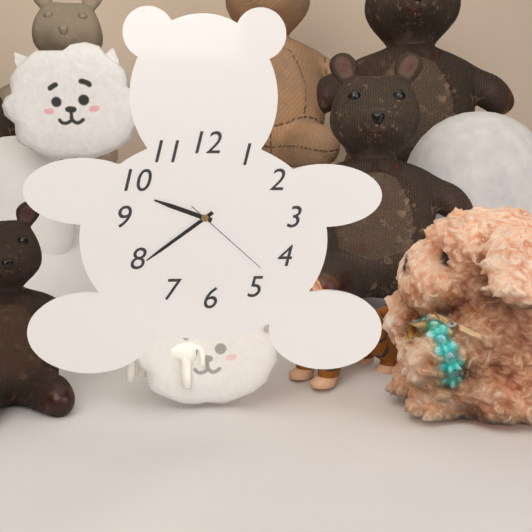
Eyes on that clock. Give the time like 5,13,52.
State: 9,39,22
